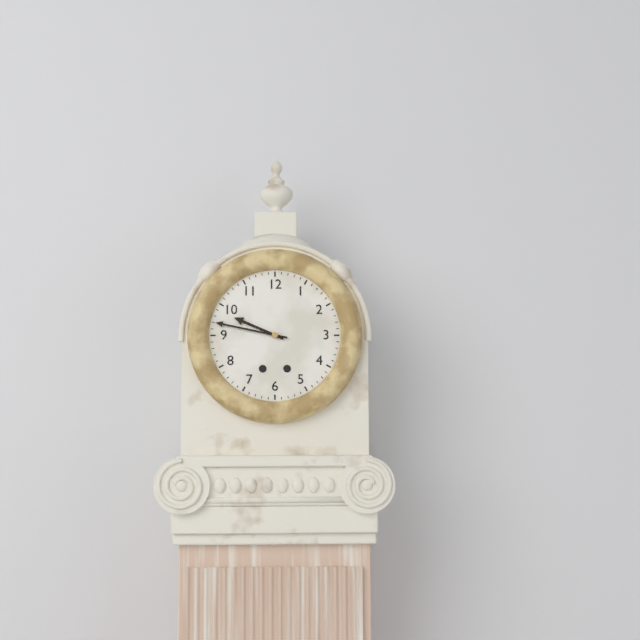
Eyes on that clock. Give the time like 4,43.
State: 9,47
